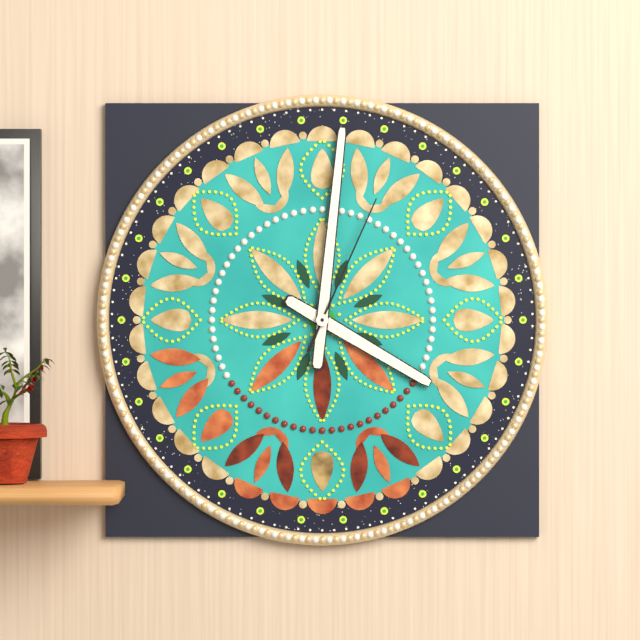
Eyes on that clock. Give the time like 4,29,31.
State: 4,01,04
